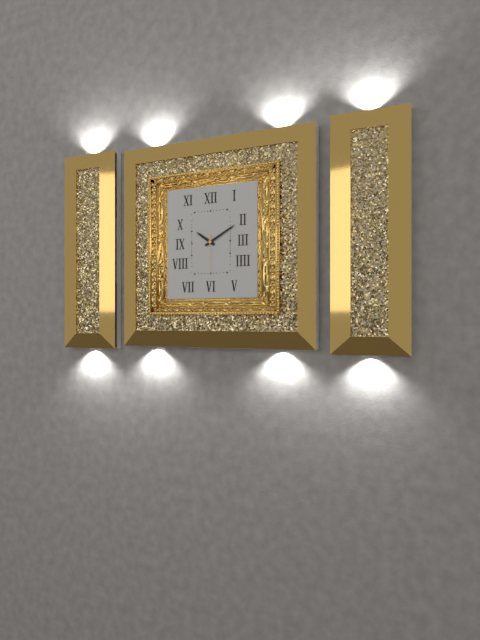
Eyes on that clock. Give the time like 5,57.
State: 10,10
